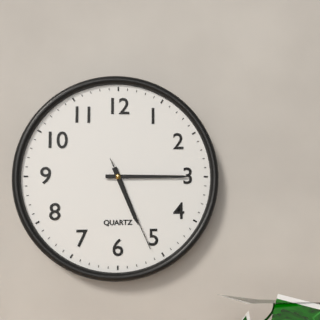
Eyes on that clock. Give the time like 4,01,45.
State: 5,15,26
